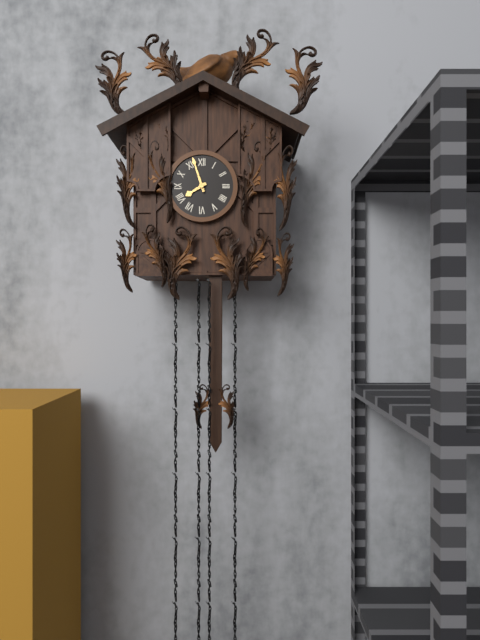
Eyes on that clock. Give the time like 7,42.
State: 7,57
